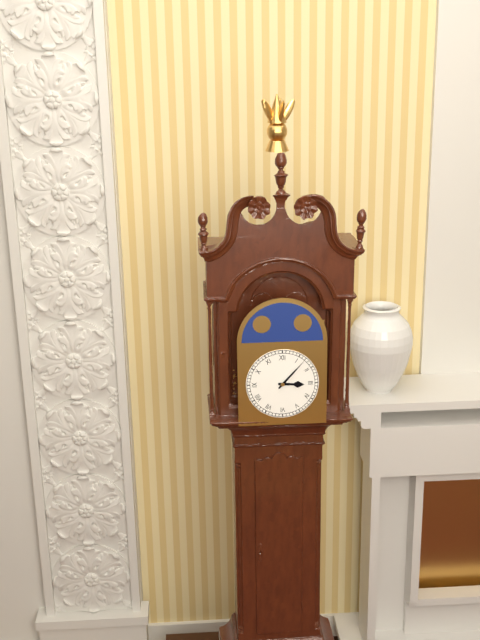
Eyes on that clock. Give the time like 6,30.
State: 3,07
